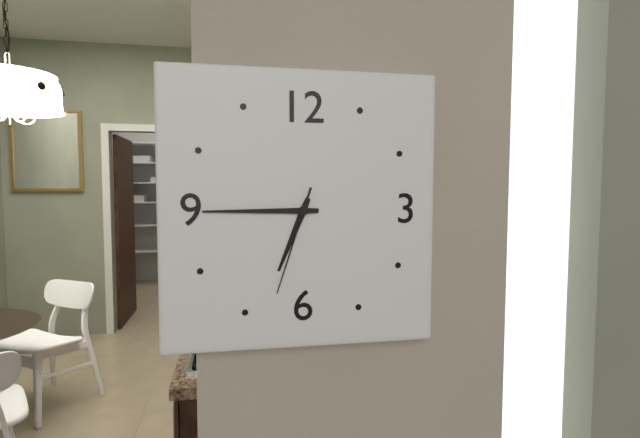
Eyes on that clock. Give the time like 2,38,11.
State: 6,45,33
